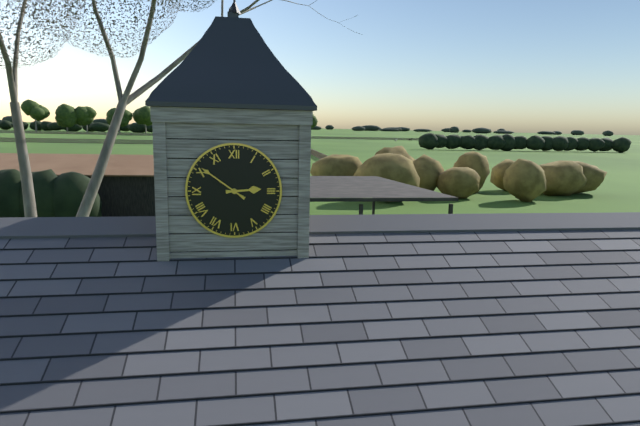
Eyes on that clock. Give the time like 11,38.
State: 2,51
